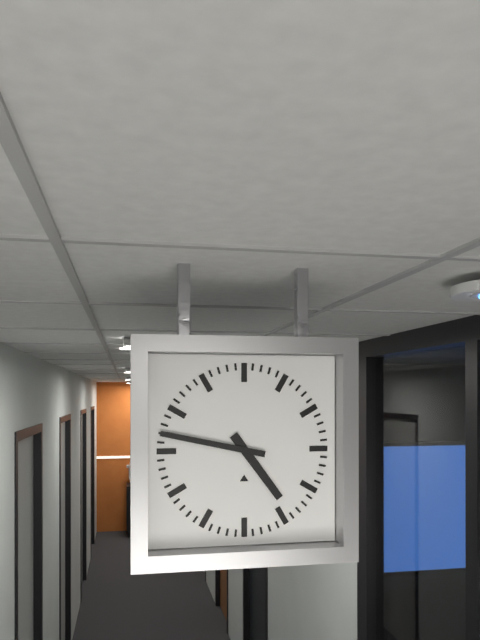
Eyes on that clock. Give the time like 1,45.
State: 4,47
